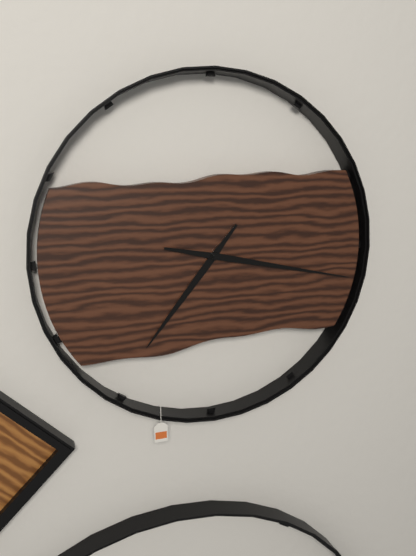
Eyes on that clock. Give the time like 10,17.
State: 7,17
